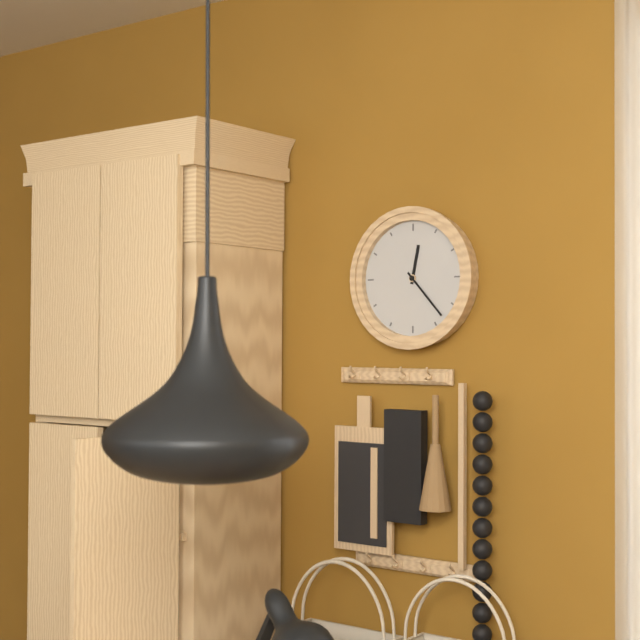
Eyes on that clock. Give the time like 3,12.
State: 12,23
